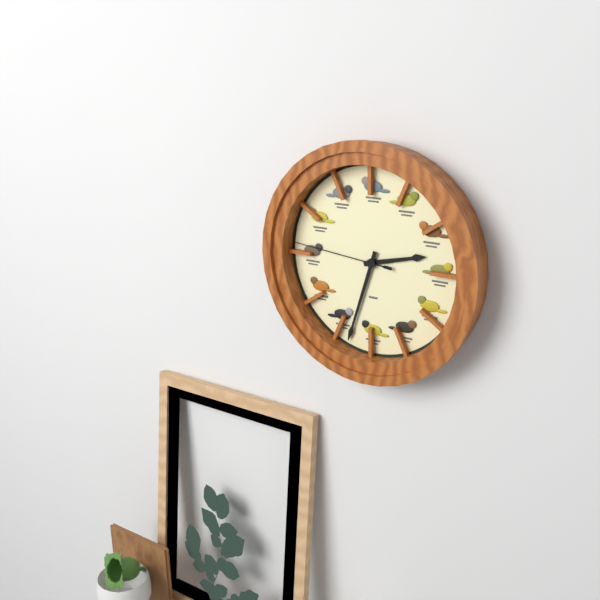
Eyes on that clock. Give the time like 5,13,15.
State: 2,33,46
